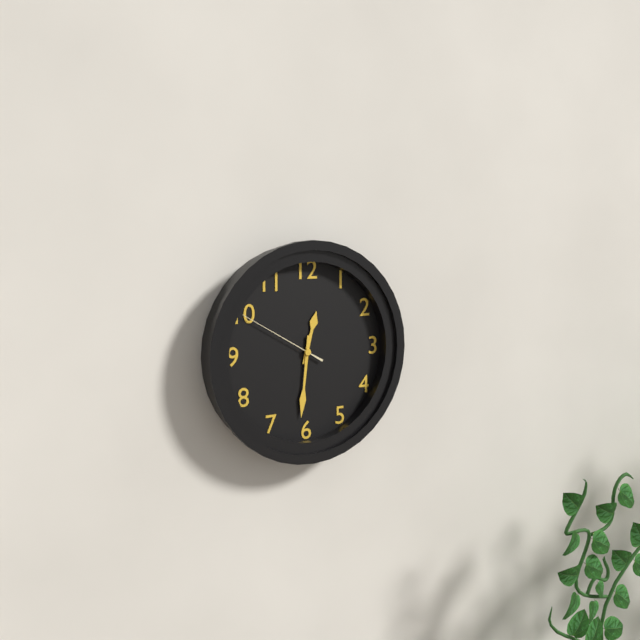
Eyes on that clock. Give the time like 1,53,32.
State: 12,31,50
